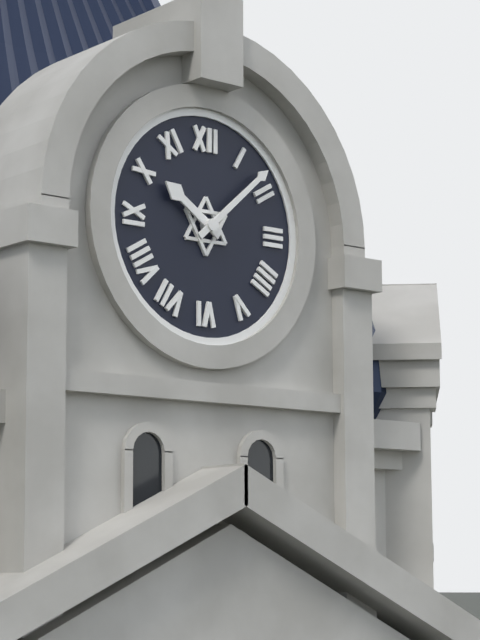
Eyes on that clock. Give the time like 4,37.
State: 10,08
